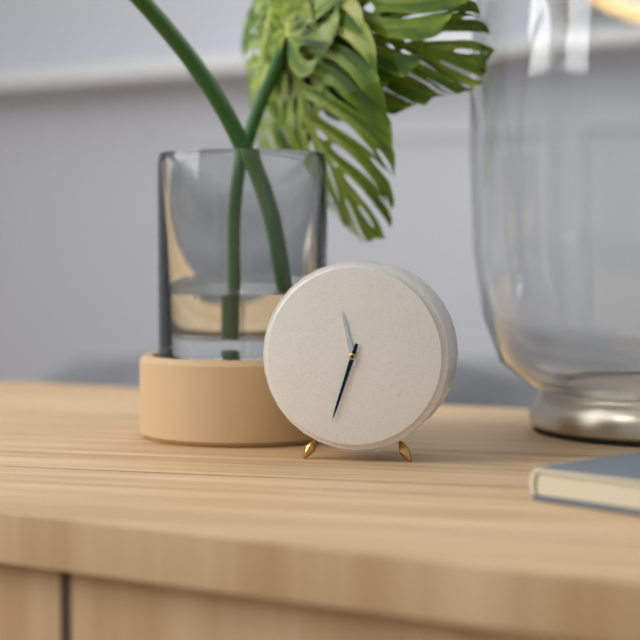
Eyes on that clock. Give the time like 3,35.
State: 11,33
